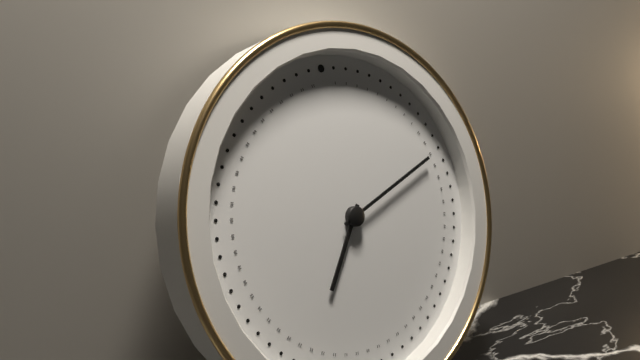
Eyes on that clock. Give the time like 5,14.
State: 7,12
